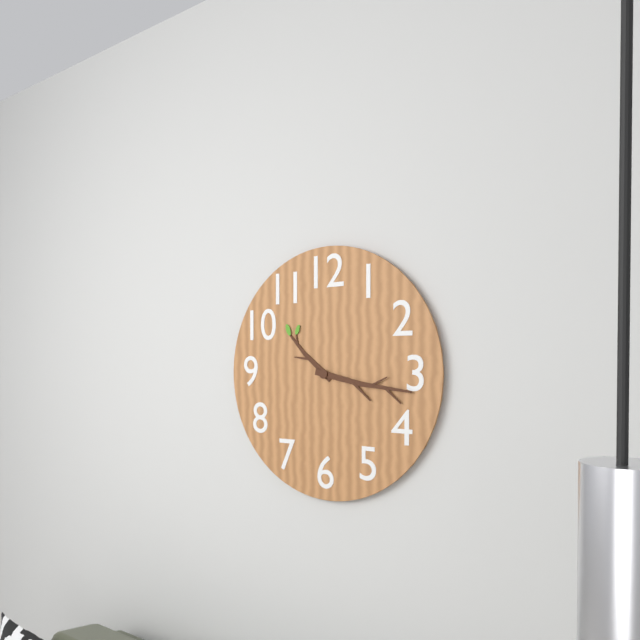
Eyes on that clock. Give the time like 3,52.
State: 10,17
